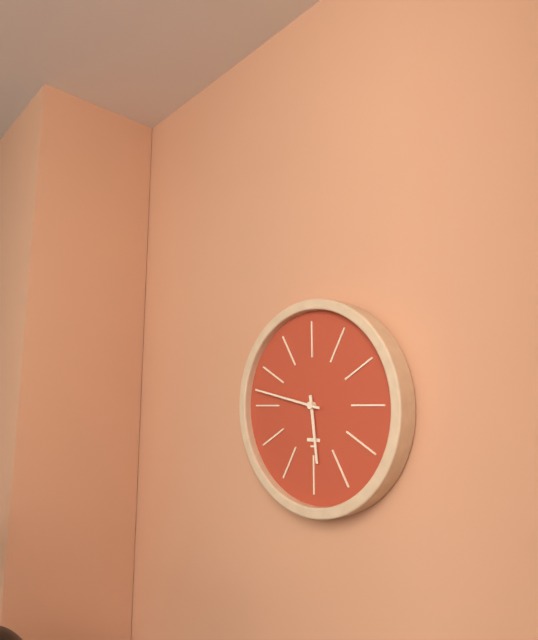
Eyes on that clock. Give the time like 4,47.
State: 5,47
